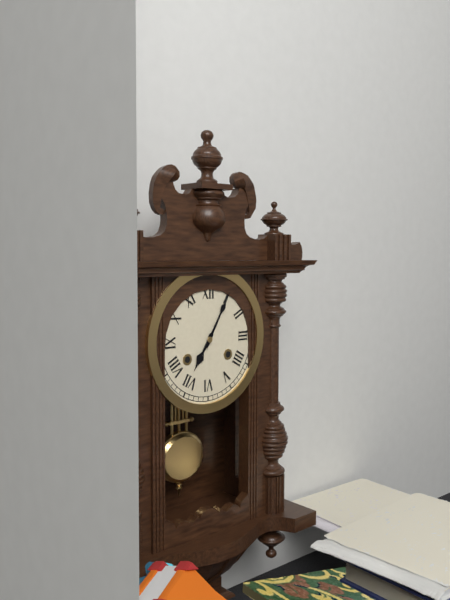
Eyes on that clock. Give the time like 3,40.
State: 7,05
